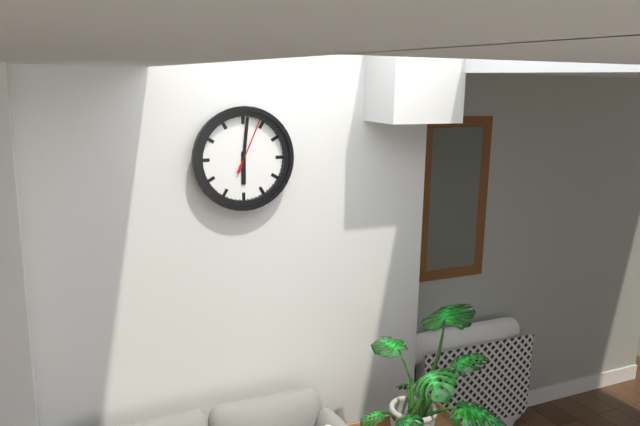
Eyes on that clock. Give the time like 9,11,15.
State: 6,01,04
